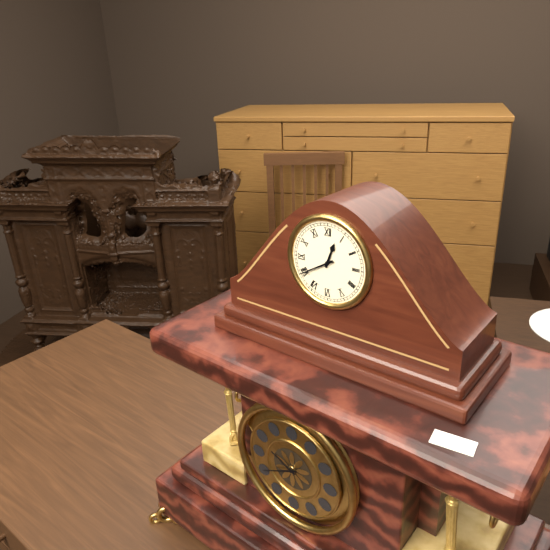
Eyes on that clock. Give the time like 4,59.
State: 12,40
